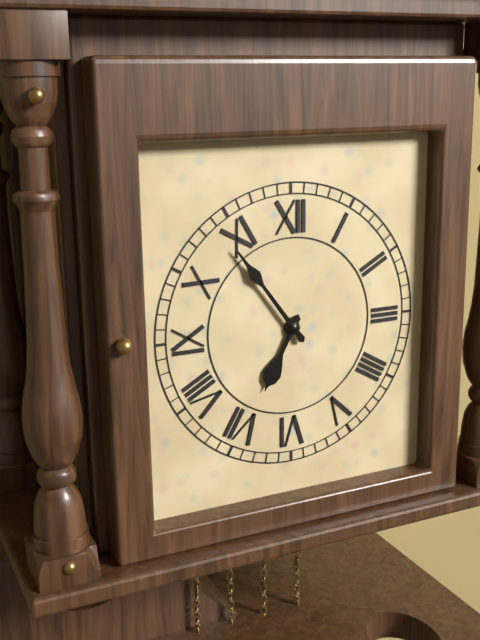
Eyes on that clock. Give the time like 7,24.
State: 6,54
